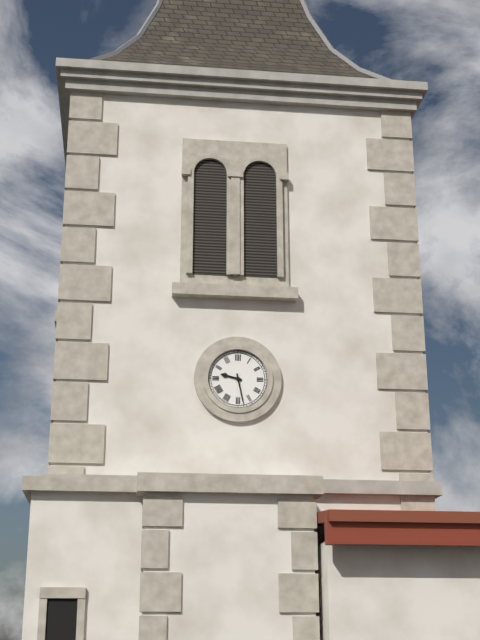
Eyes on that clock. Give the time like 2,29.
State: 9,28
